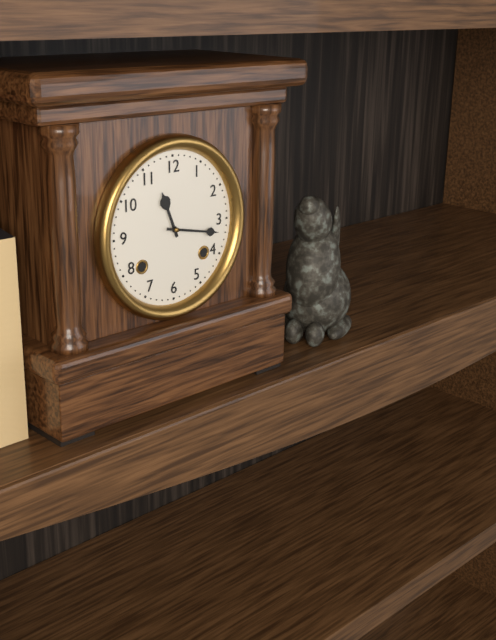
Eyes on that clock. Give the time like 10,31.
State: 11,17
